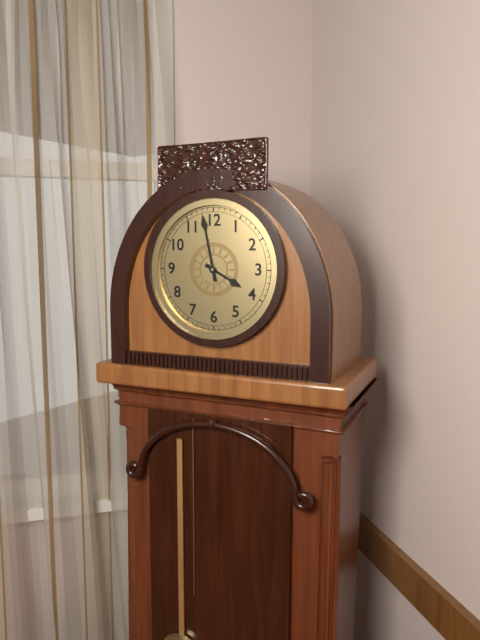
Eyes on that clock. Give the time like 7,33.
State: 3,58
